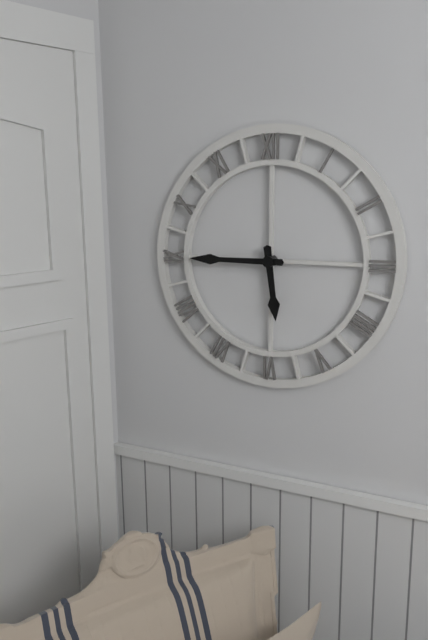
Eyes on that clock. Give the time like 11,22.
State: 5,45
